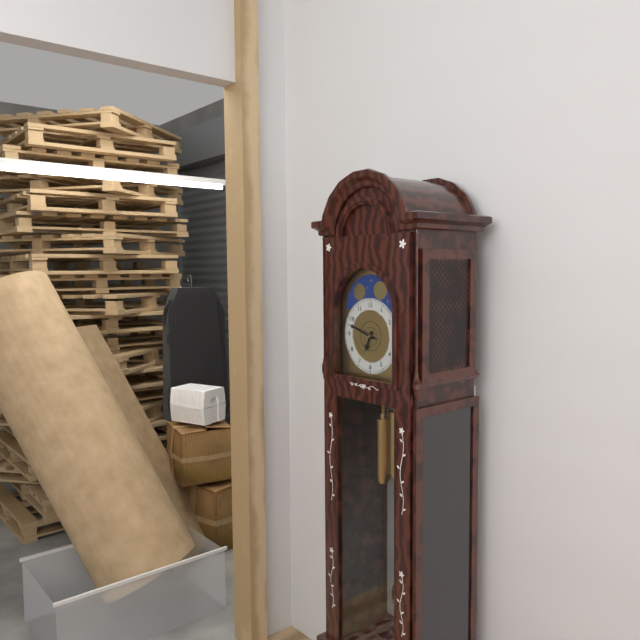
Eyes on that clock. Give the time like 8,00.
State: 6,48
